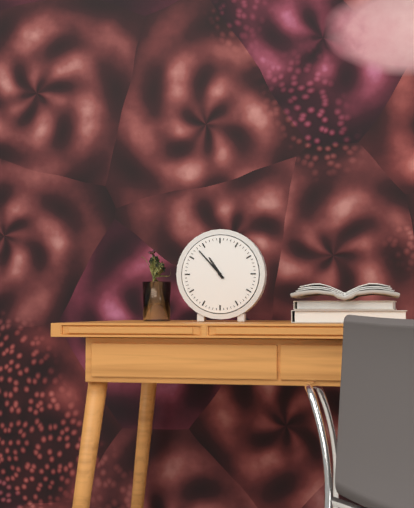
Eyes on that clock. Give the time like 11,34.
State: 10,53
